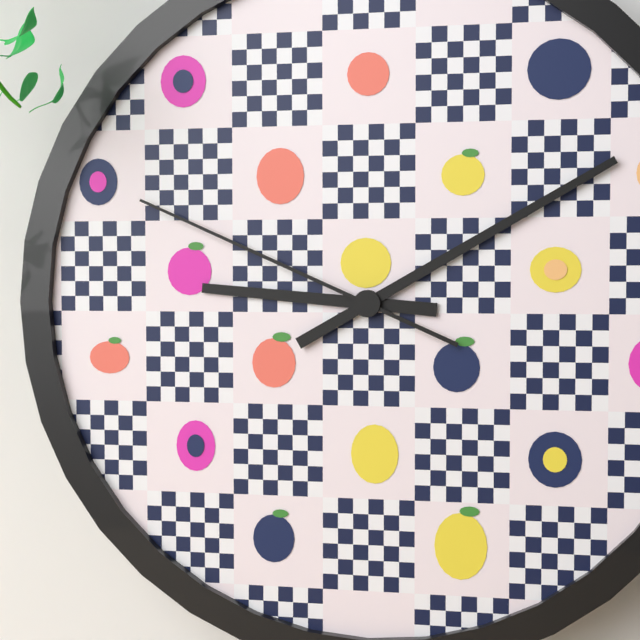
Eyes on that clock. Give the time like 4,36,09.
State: 9,10,49
